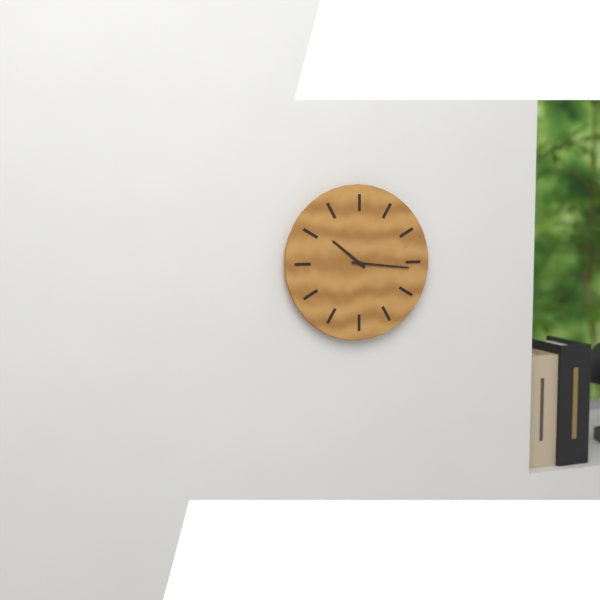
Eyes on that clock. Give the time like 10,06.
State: 10,16
